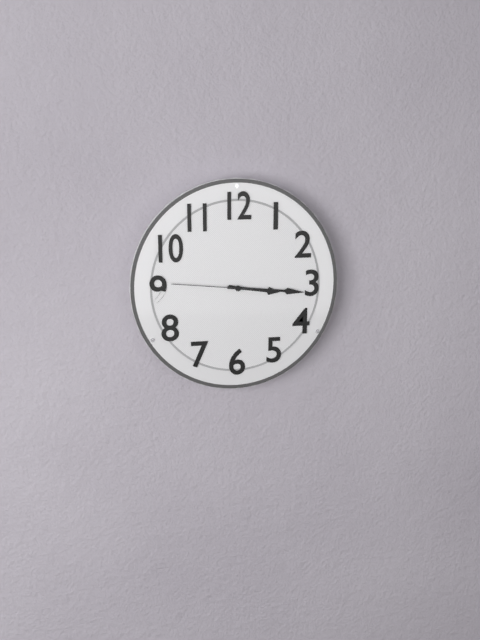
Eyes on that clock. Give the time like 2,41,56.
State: 3,16,46
